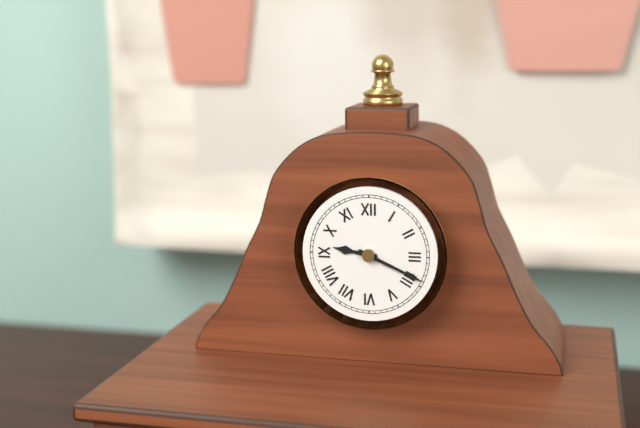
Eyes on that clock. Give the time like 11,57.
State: 9,19
